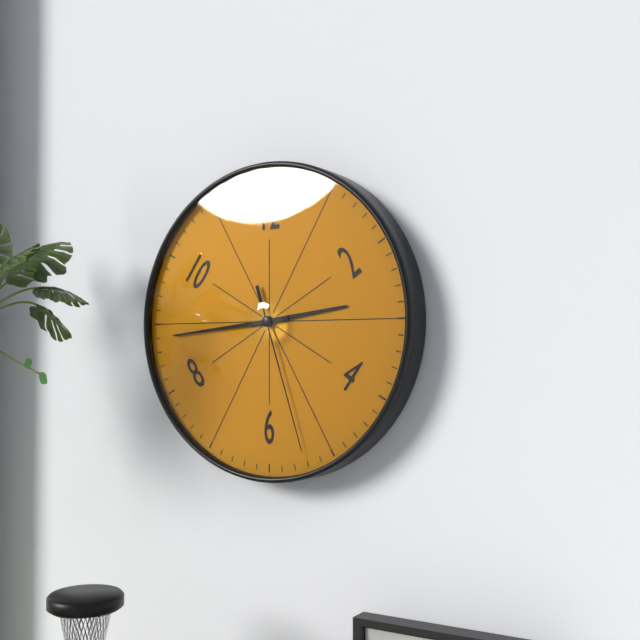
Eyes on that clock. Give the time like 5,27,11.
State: 2,44,27
